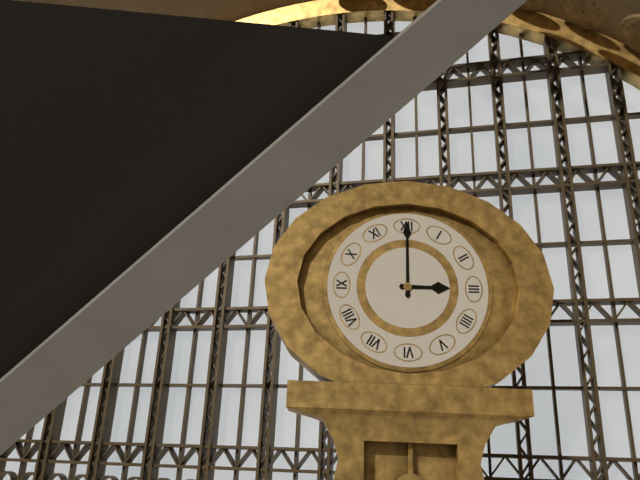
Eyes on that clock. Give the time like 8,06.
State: 3,00
